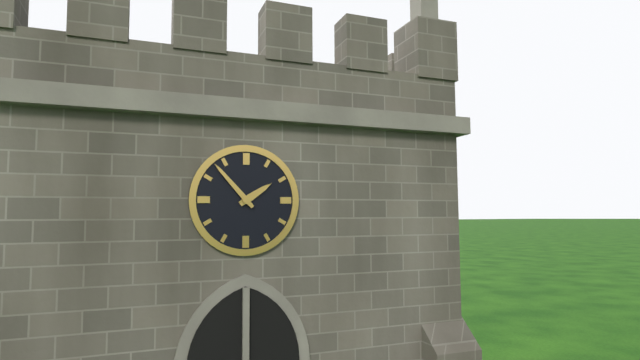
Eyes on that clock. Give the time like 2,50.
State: 1,53
